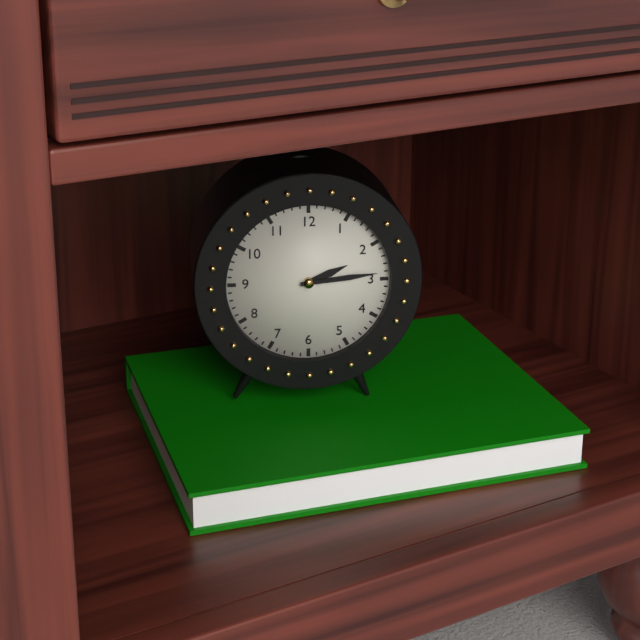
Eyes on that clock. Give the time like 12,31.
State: 2,14
